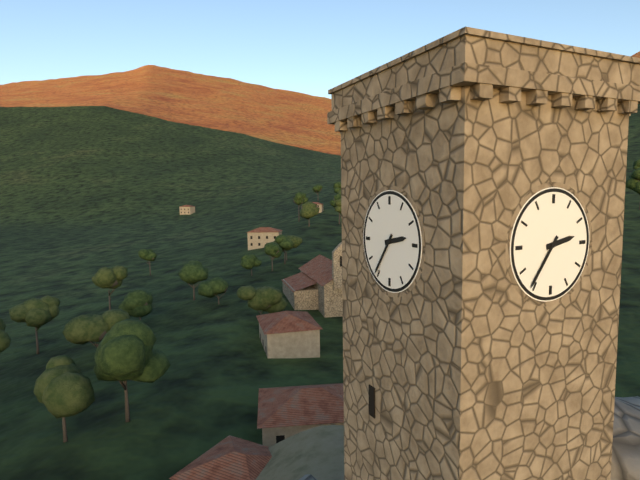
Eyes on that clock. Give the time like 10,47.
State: 2,36
